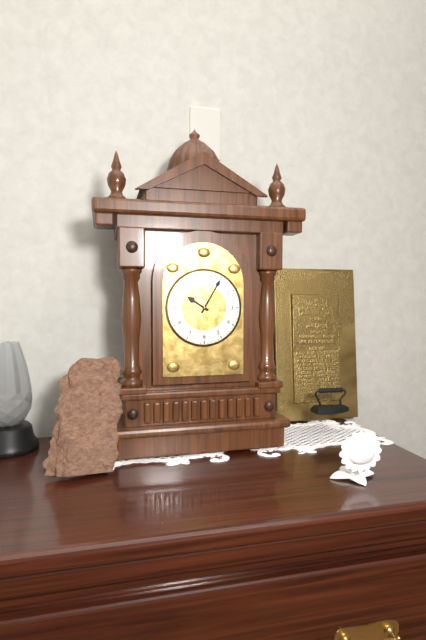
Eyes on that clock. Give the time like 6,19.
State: 10,05
